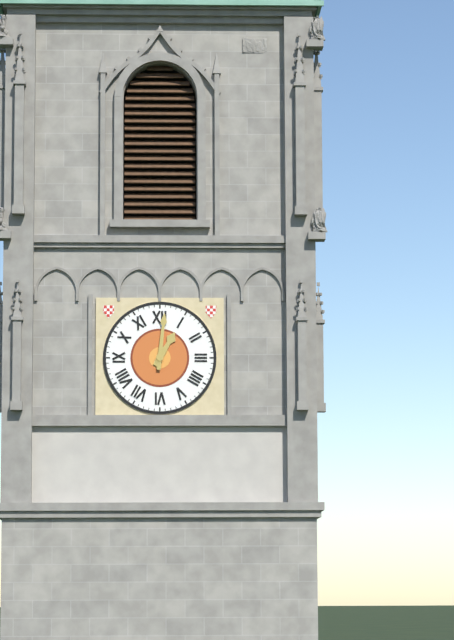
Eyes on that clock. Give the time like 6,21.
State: 1,01
